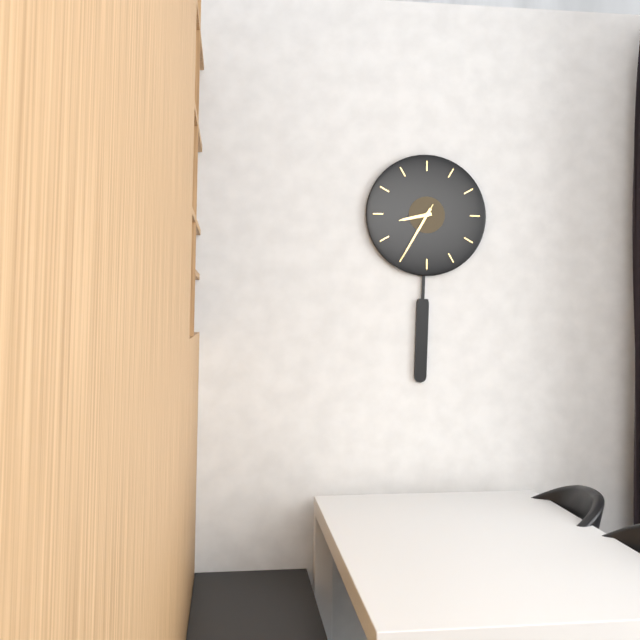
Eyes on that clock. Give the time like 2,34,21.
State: 8,35,35
